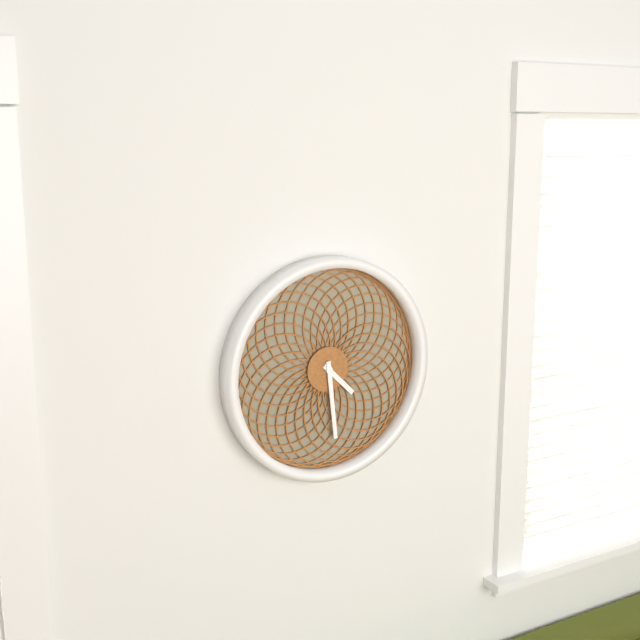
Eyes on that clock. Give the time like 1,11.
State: 4,29
